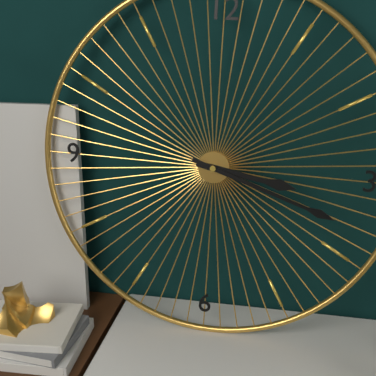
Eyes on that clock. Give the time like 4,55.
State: 3,18
